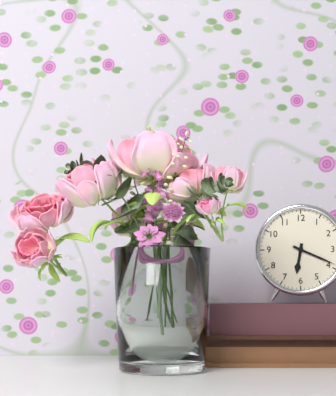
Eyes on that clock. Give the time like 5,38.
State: 6,19
